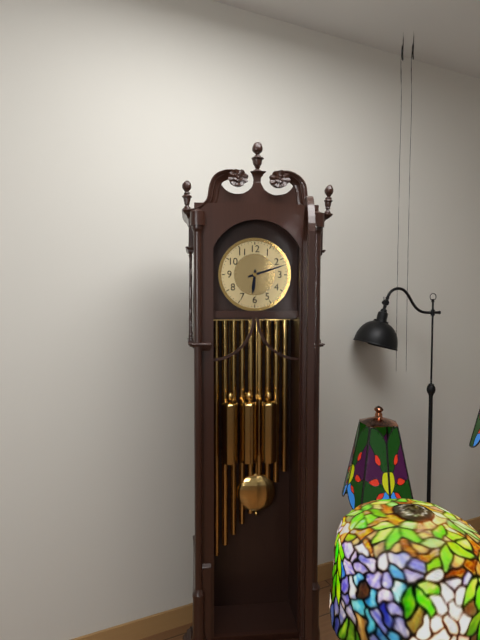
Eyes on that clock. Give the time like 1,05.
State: 6,12
